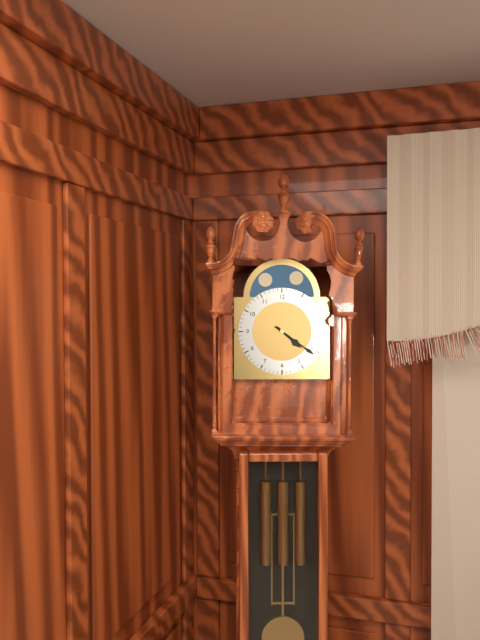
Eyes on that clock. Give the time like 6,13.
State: 4,21
